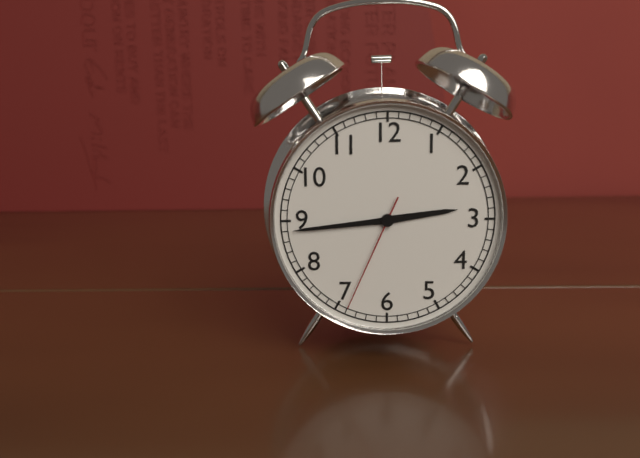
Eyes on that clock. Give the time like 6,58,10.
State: 2,44,34
